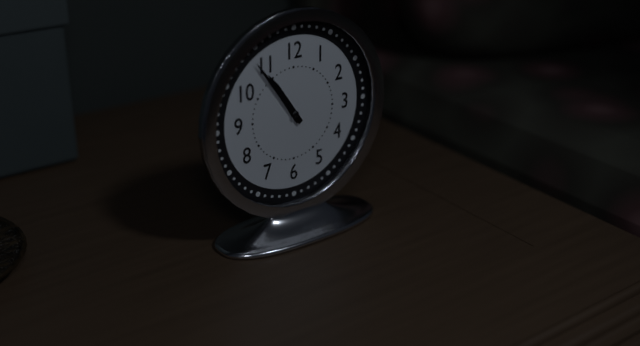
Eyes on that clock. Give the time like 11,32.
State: 10,54
